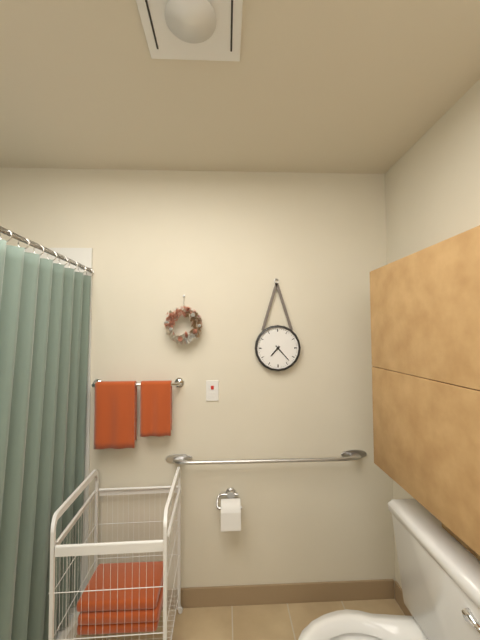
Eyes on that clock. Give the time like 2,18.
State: 7,23
